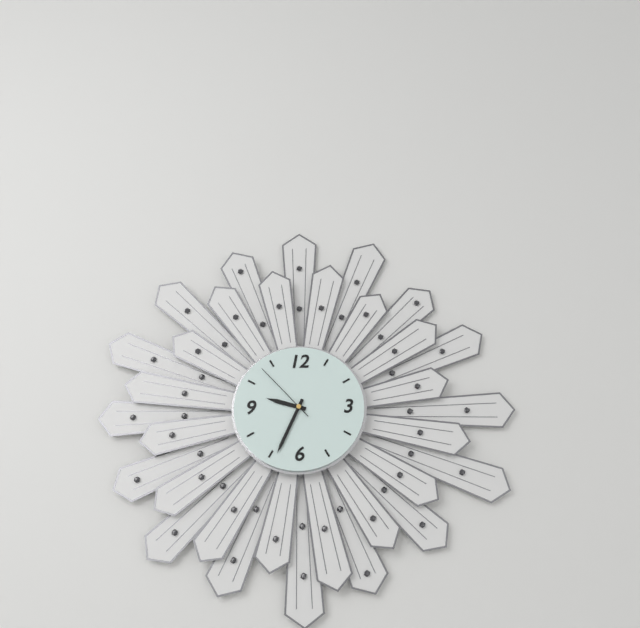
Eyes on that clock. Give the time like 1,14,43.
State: 9,34,53
